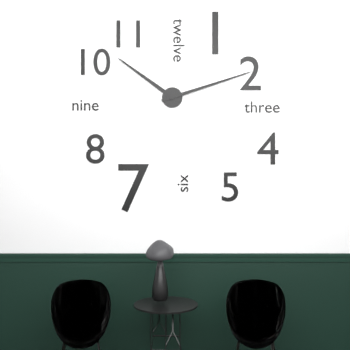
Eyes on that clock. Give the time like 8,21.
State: 10,12
